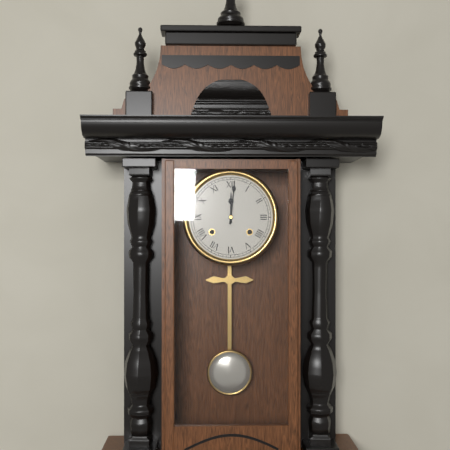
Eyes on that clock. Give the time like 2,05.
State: 12,01
